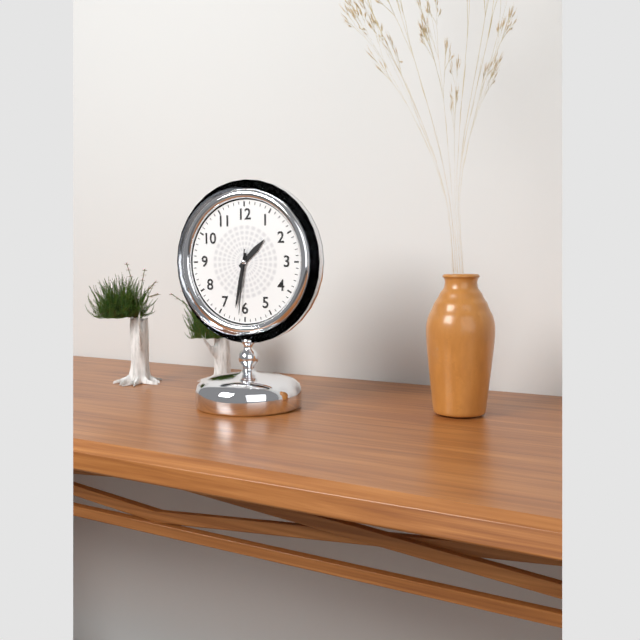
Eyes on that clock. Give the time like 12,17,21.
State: 1,32,31
